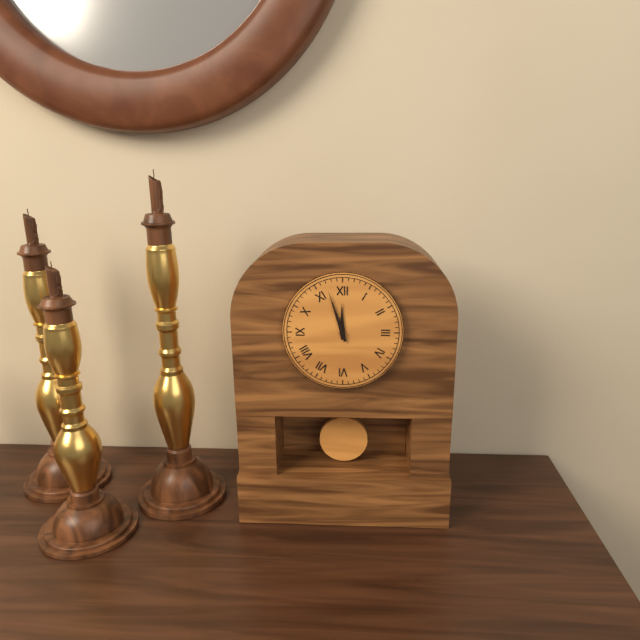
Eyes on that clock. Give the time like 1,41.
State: 11,57
